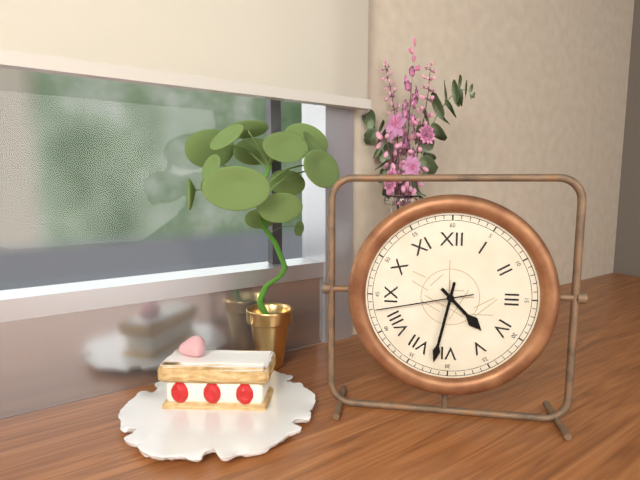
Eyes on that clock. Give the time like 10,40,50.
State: 4,32,43
